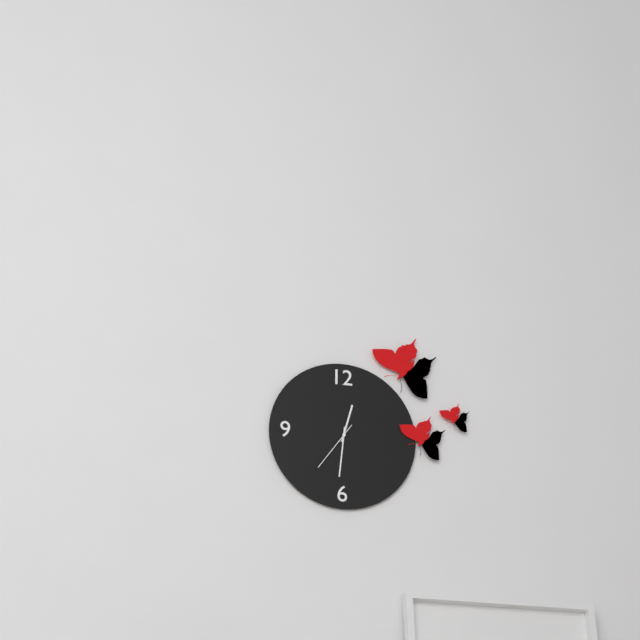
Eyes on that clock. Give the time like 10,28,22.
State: 12,31,36
